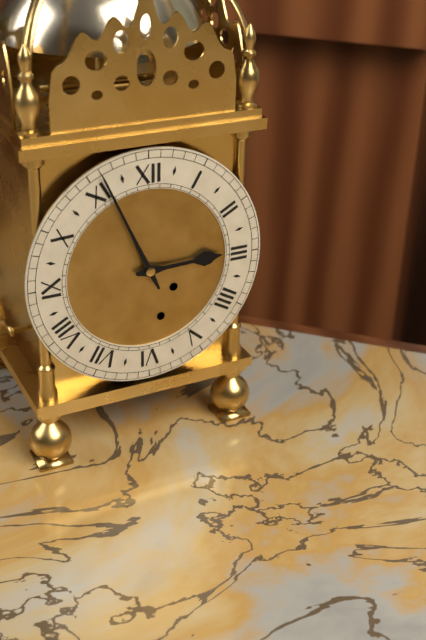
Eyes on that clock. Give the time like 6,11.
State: 2,56
